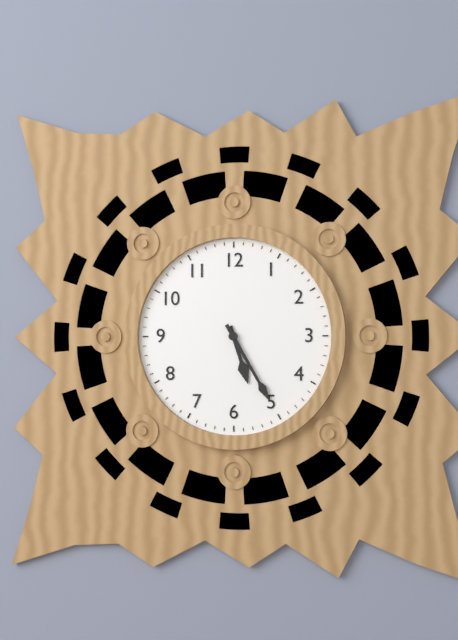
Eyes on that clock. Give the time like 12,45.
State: 5,25
